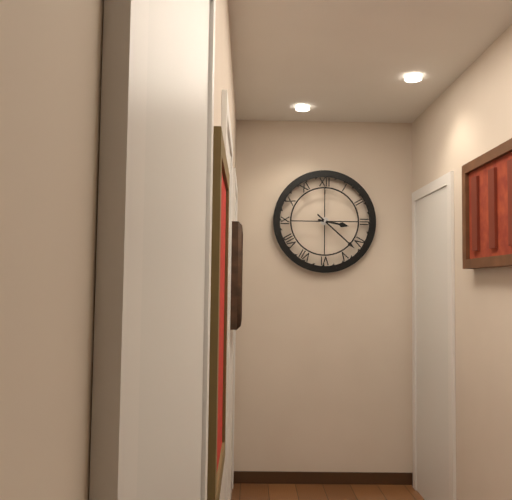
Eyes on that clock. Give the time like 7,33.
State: 3,22
